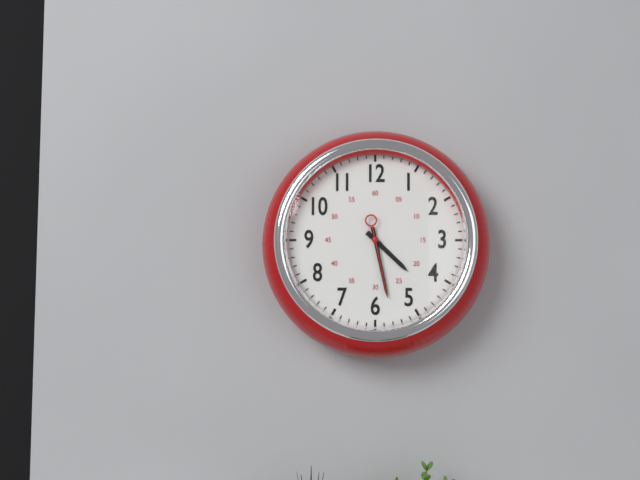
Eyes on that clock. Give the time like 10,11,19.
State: 4,28,28
